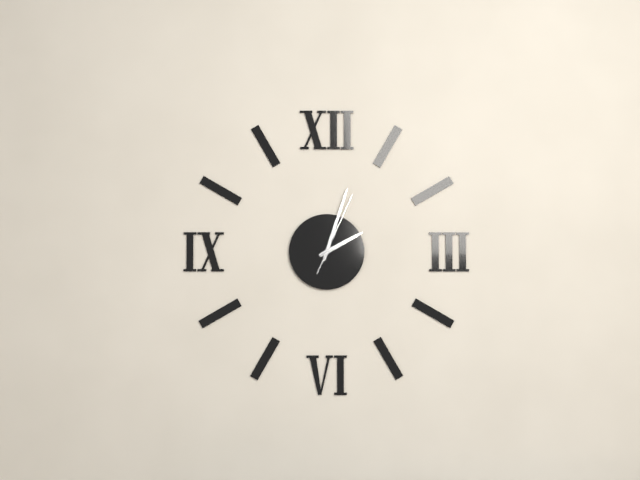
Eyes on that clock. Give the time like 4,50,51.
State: 2,03,04
